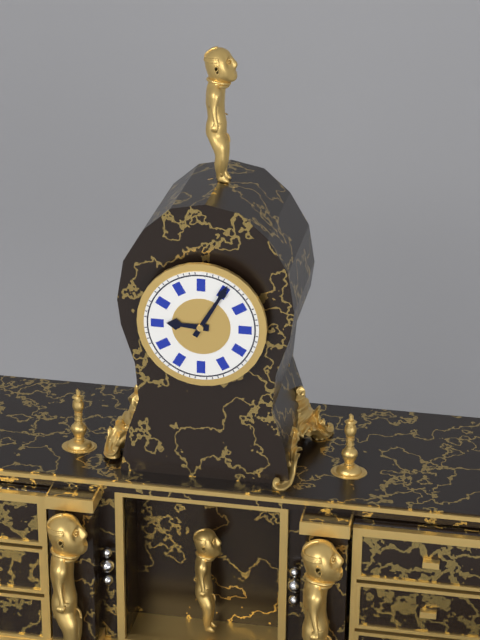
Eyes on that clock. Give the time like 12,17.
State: 9,05
